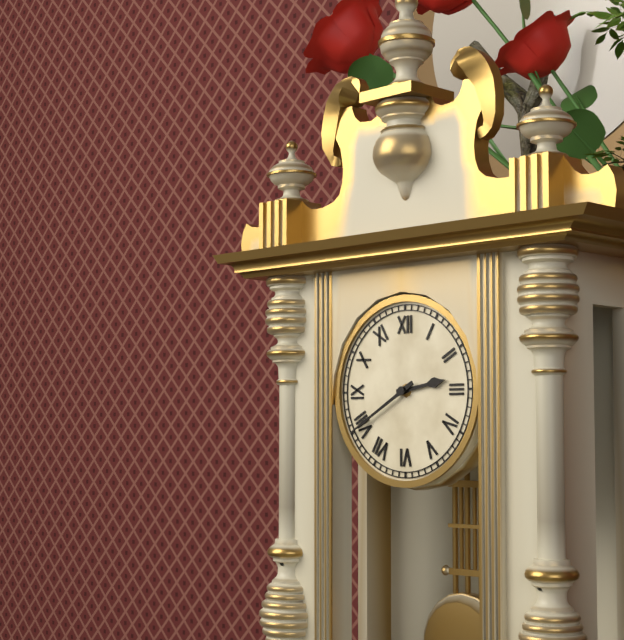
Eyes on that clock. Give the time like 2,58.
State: 2,40
